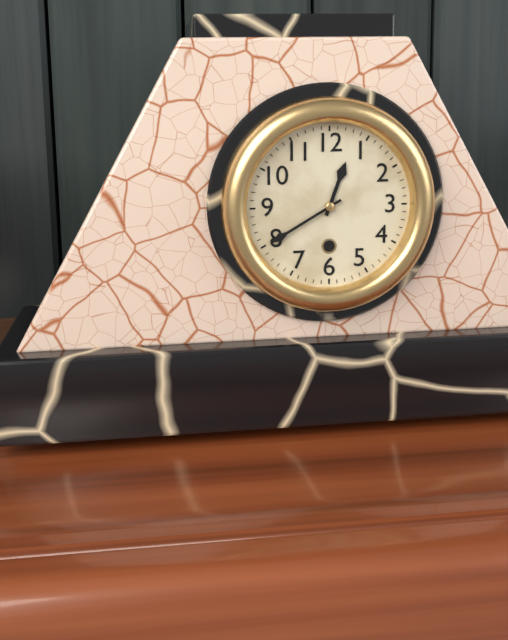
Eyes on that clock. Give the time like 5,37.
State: 12,40
